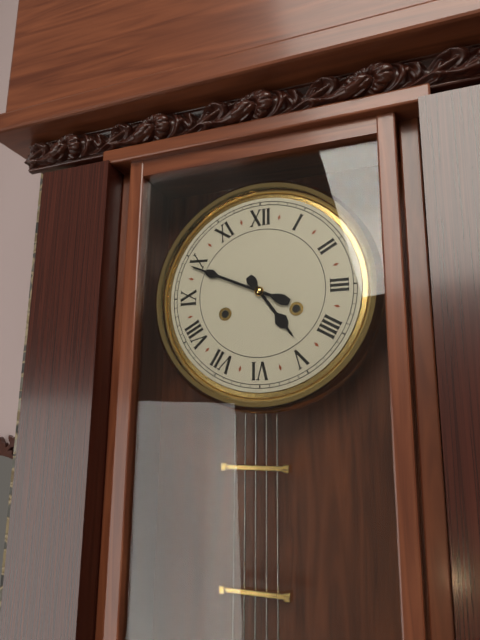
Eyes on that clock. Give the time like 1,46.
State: 4,49
